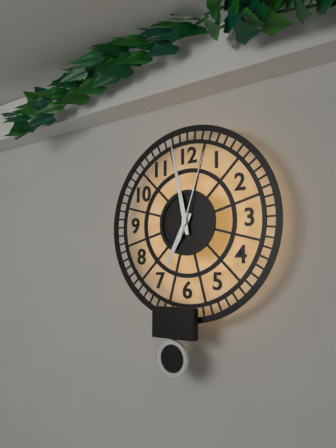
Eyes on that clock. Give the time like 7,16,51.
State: 6,58,03
